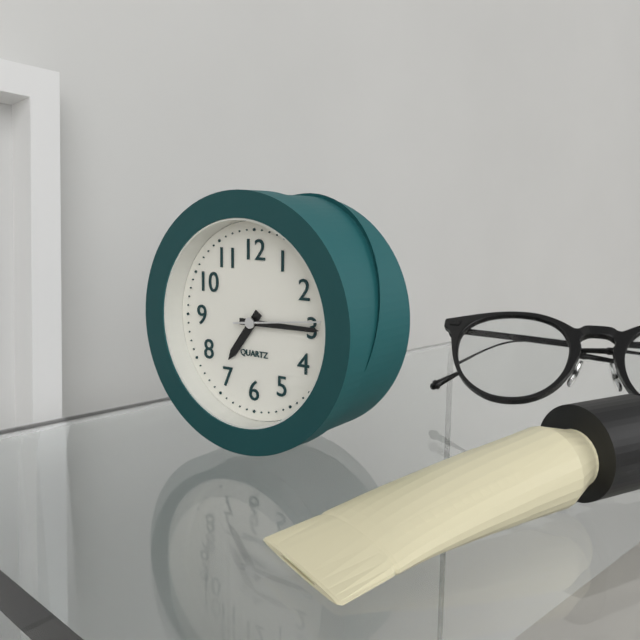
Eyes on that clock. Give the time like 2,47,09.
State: 7,15,14
